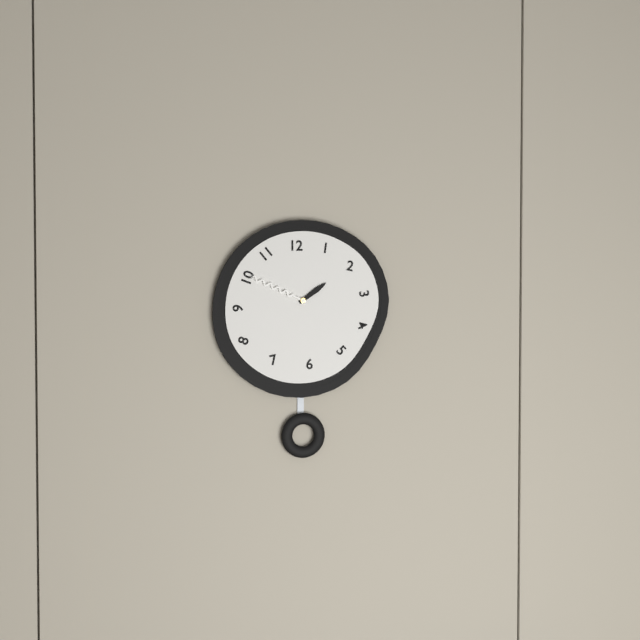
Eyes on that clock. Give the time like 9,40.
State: 1,49
